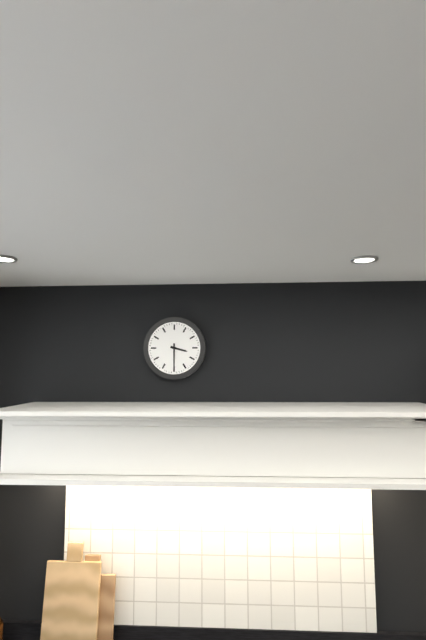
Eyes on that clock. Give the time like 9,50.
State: 3,30
